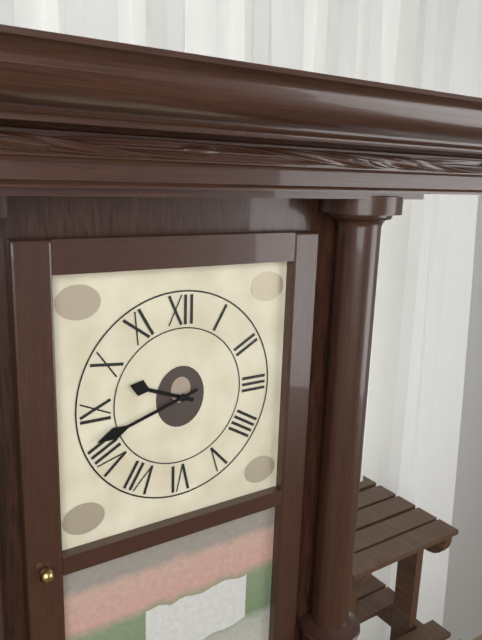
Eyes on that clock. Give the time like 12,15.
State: 9,42
